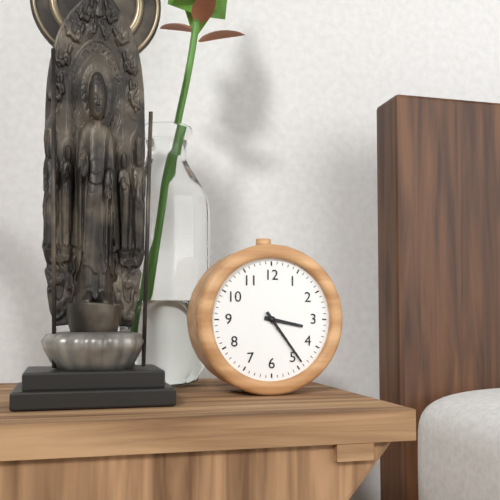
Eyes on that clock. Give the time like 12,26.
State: 3,24
